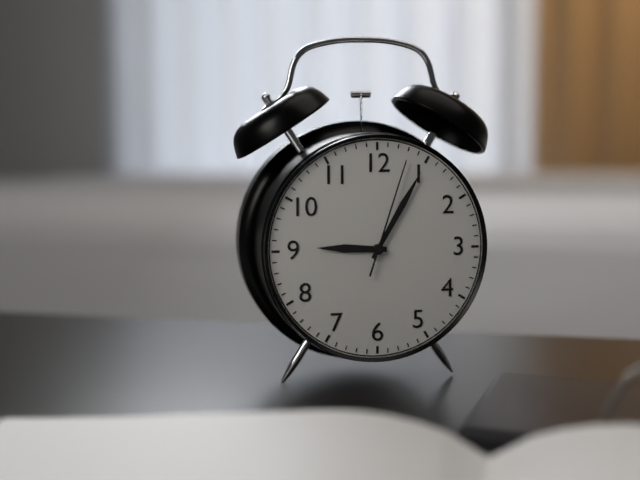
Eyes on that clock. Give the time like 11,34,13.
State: 9,05,03
